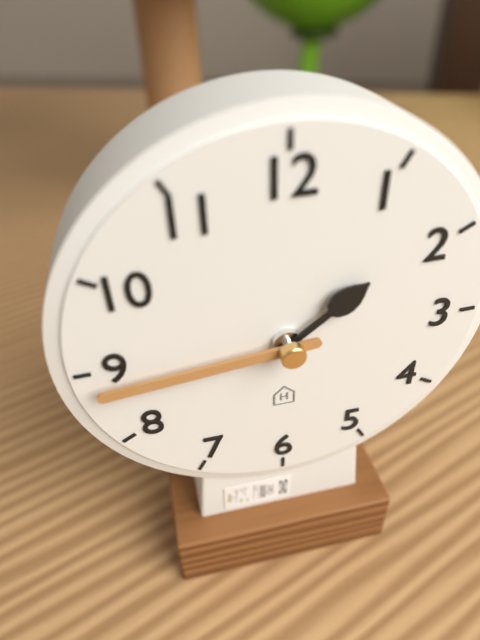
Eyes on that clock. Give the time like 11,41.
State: 1,44
